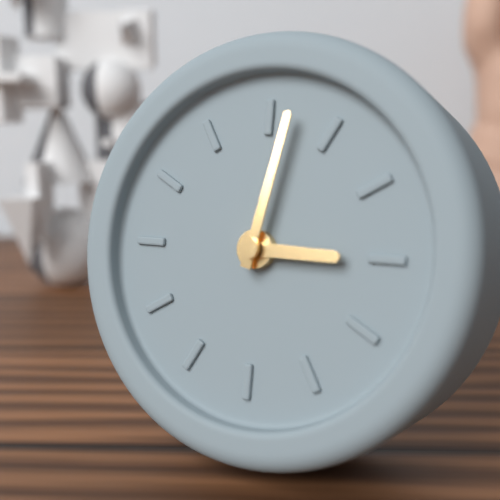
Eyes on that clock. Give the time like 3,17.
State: 3,02
